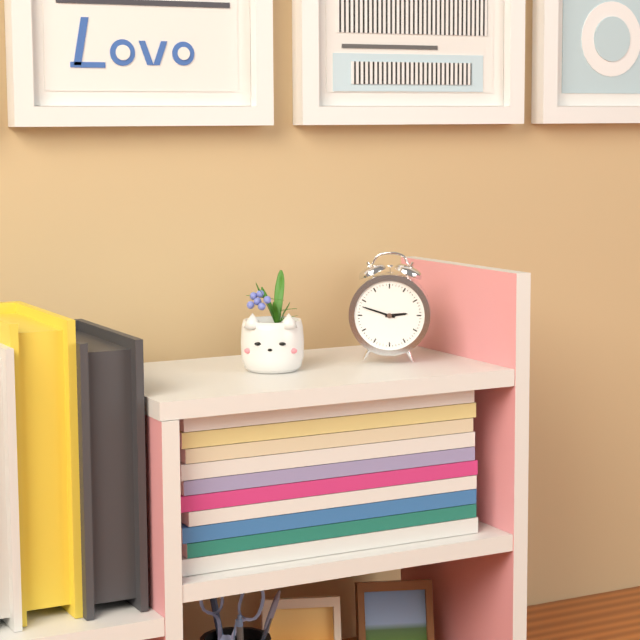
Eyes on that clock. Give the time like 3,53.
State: 2,48
